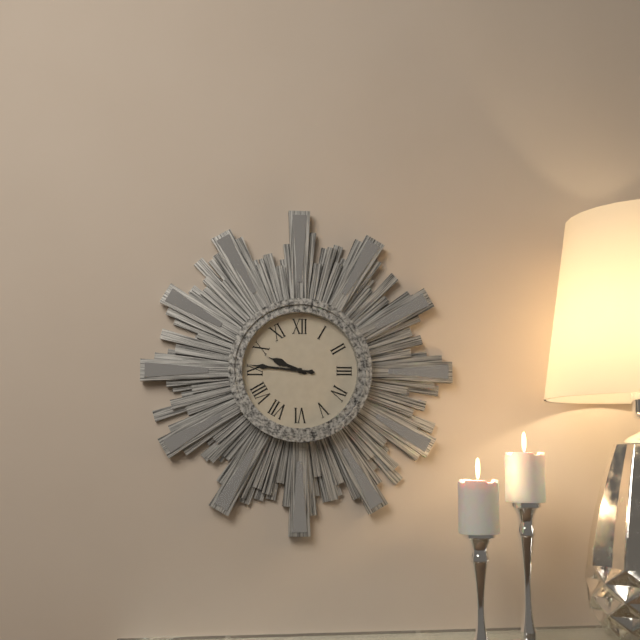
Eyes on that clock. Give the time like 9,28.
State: 9,46
